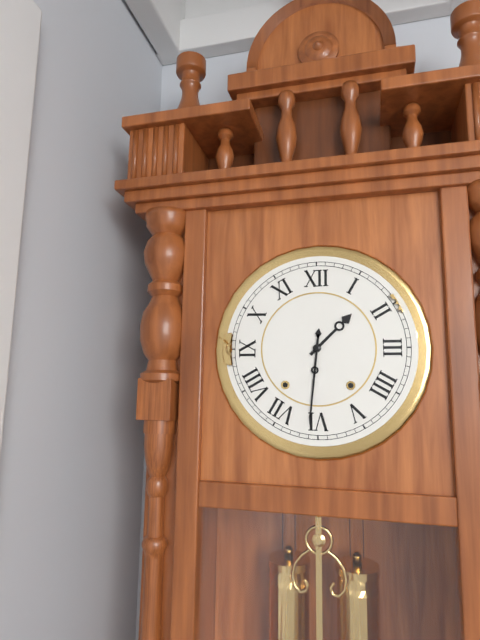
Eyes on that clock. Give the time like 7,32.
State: 1,31
